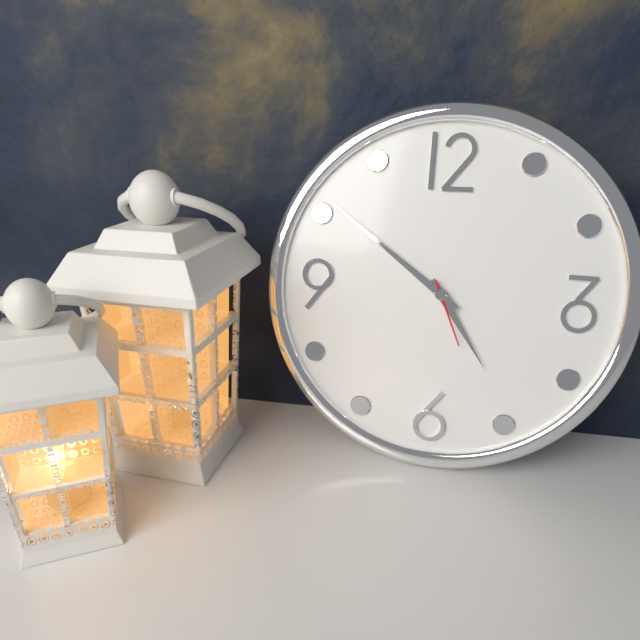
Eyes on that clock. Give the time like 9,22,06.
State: 4,51,26
